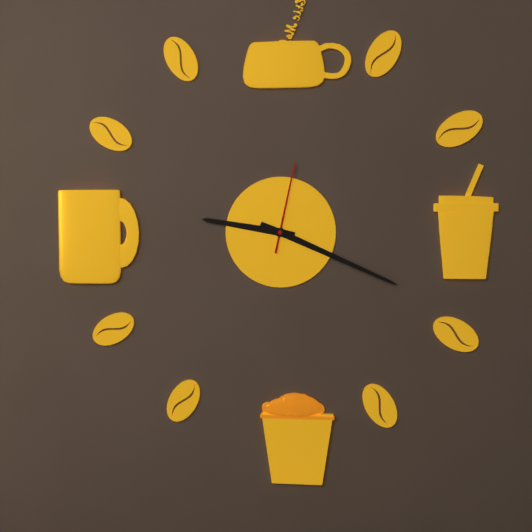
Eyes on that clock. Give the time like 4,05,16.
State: 9,19,02
